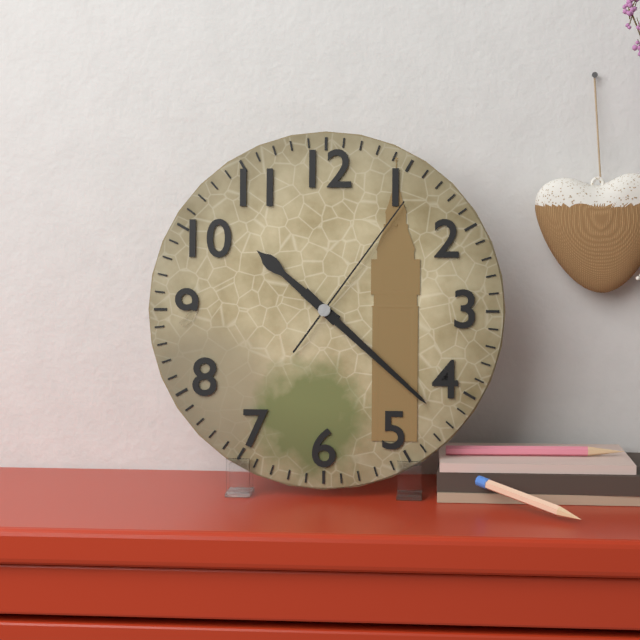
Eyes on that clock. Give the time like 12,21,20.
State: 10,22,06
